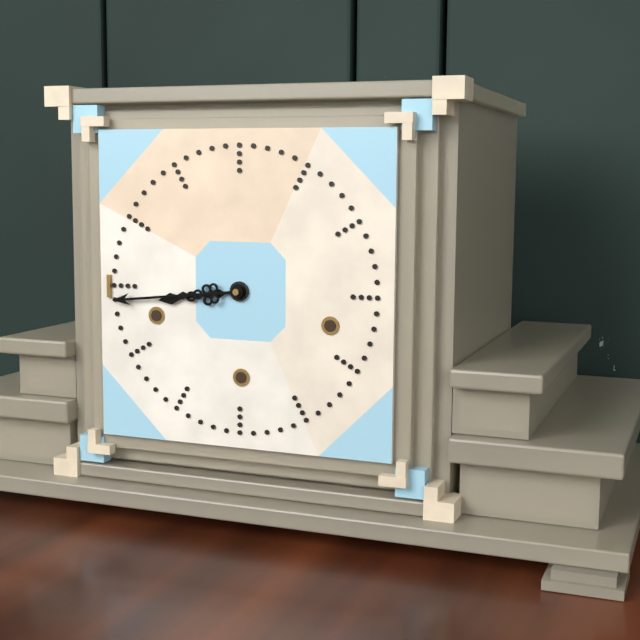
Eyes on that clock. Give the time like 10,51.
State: 8,44
